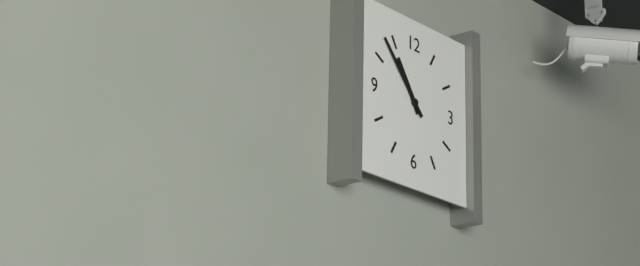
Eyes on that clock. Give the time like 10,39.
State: 10,53
